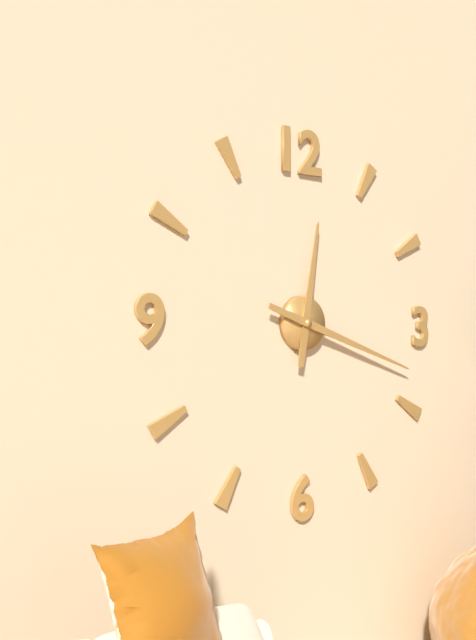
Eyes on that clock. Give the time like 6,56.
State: 12,18
